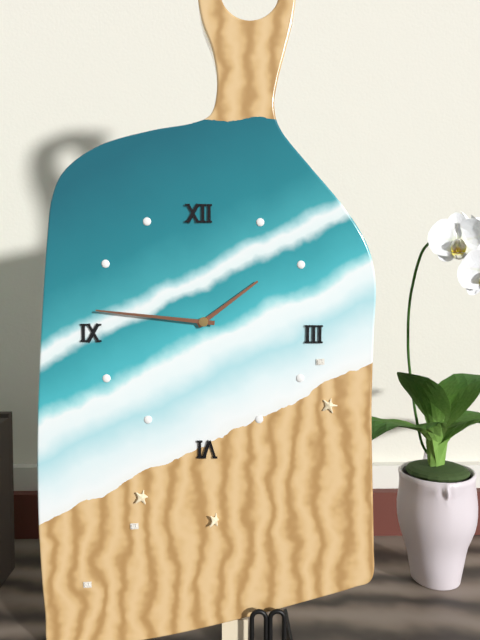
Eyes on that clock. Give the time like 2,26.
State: 1,46
